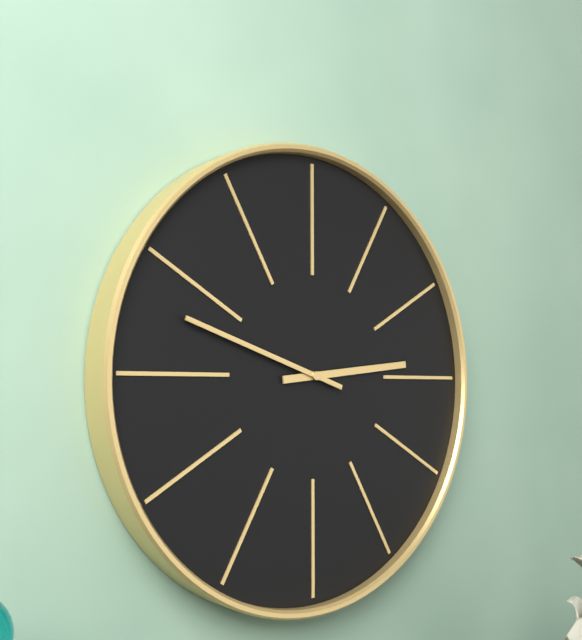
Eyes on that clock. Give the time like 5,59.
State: 2,48
